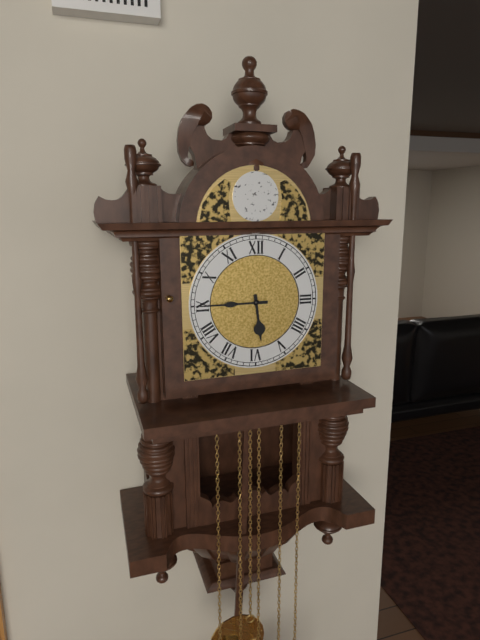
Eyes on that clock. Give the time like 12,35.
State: 5,45
